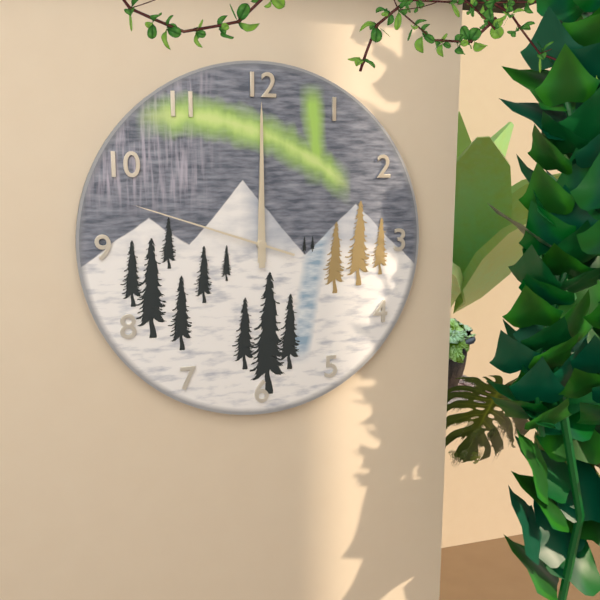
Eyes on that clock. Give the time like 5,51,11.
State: 12,00,48
